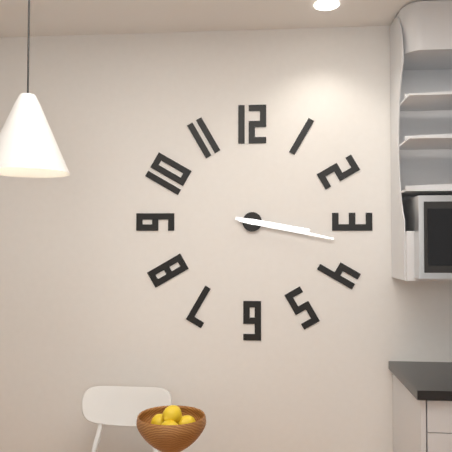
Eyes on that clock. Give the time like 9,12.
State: 3,17
